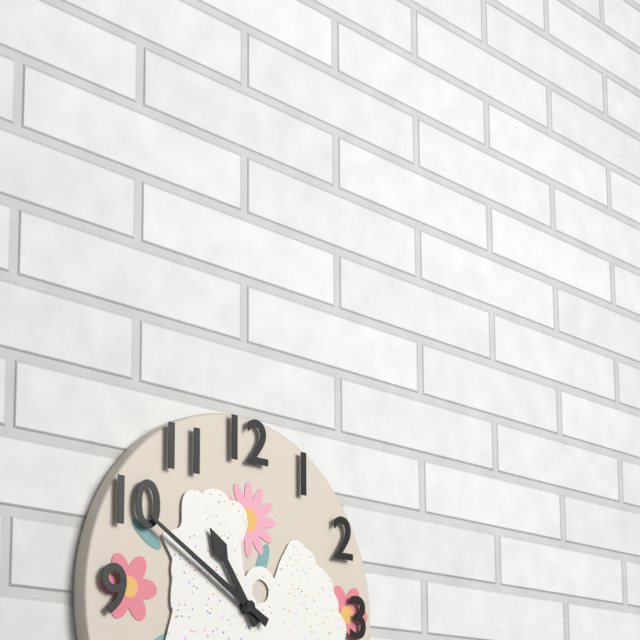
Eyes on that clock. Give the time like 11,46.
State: 10,50
